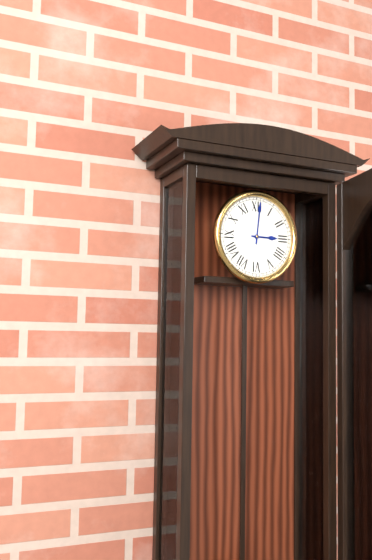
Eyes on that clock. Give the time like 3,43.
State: 3,01
